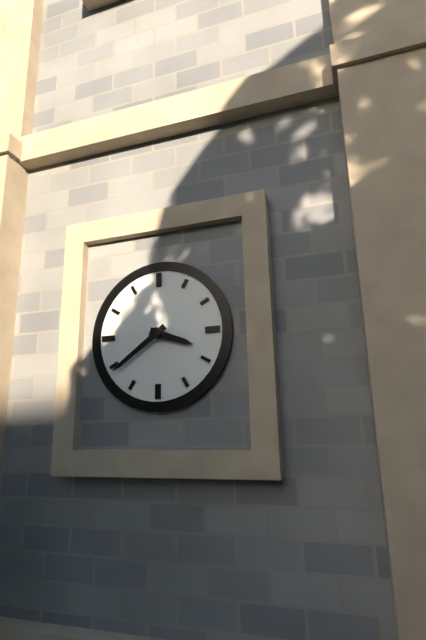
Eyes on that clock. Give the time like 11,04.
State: 3,39
